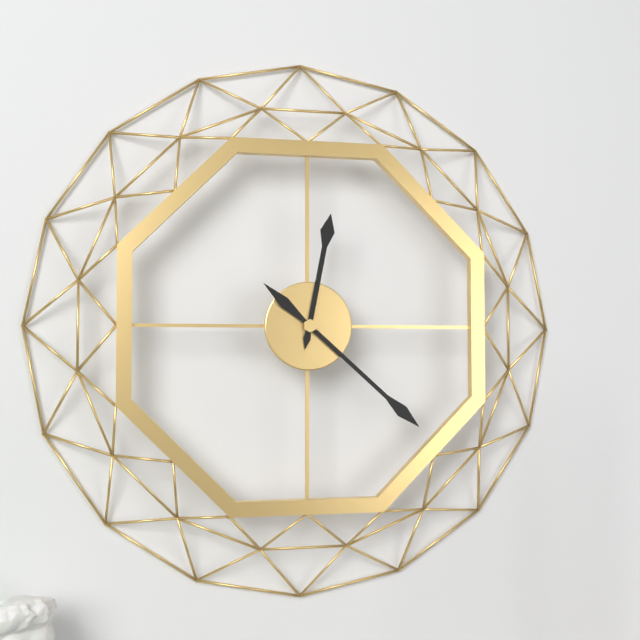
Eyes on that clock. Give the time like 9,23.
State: 12,22
